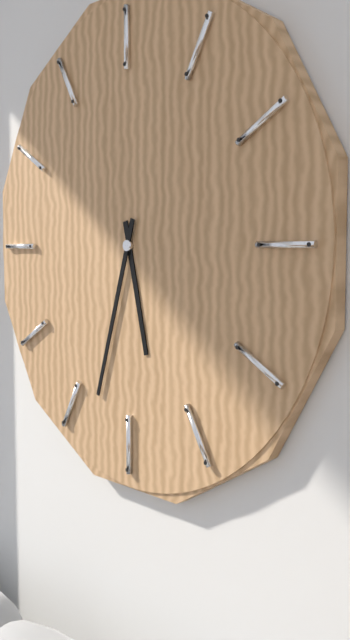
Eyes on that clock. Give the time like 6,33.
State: 5,33
